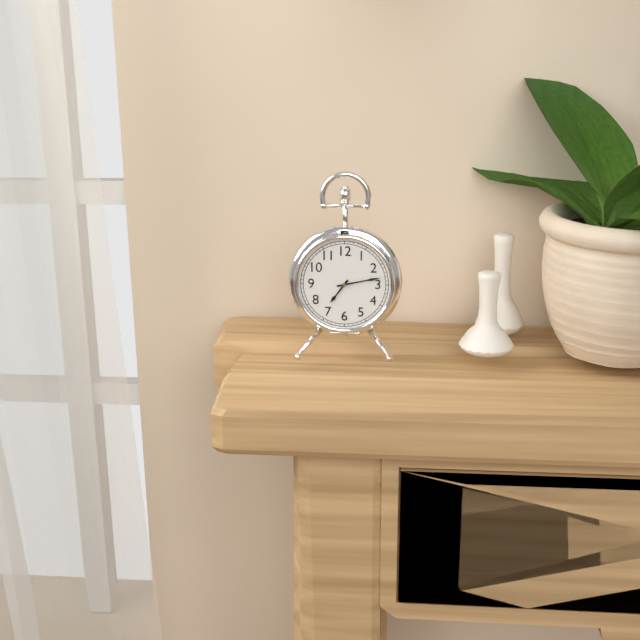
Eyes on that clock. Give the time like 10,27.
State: 7,13
